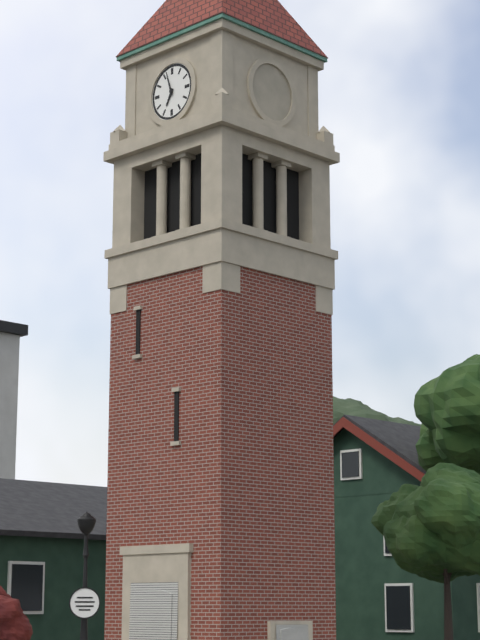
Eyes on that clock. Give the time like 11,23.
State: 6,57
